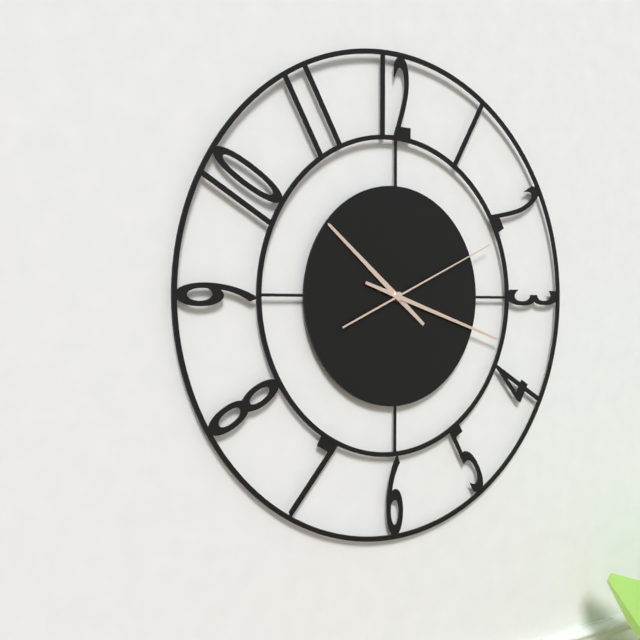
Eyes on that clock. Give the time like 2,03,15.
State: 10,18,11
